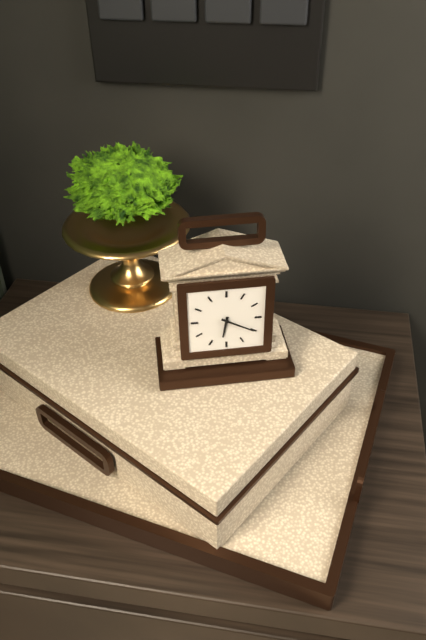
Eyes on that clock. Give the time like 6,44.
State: 6,20
